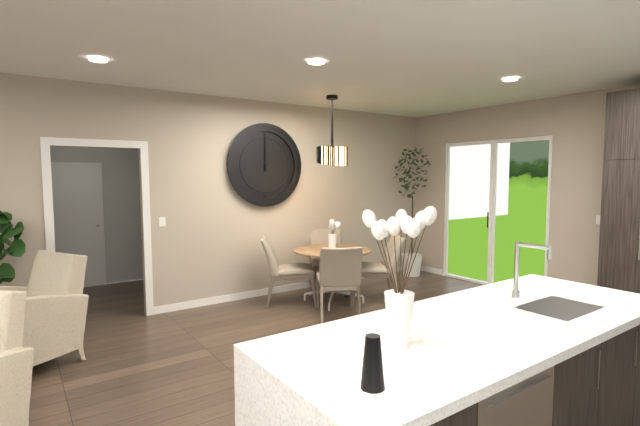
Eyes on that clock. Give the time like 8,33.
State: 12,00
